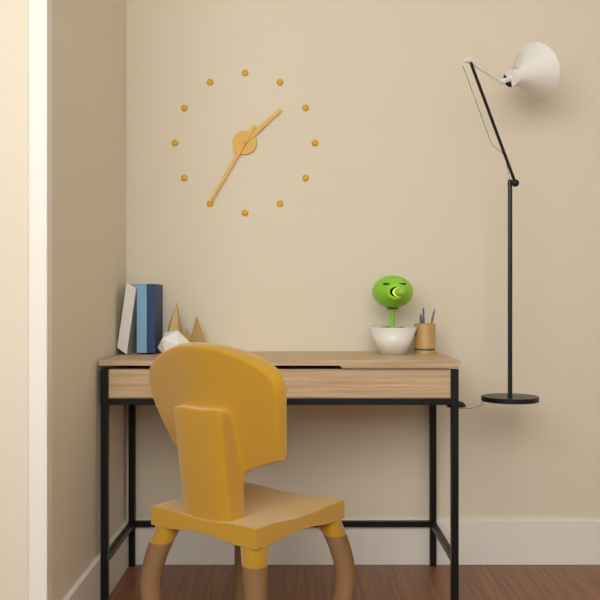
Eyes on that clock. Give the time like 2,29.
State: 1,35
